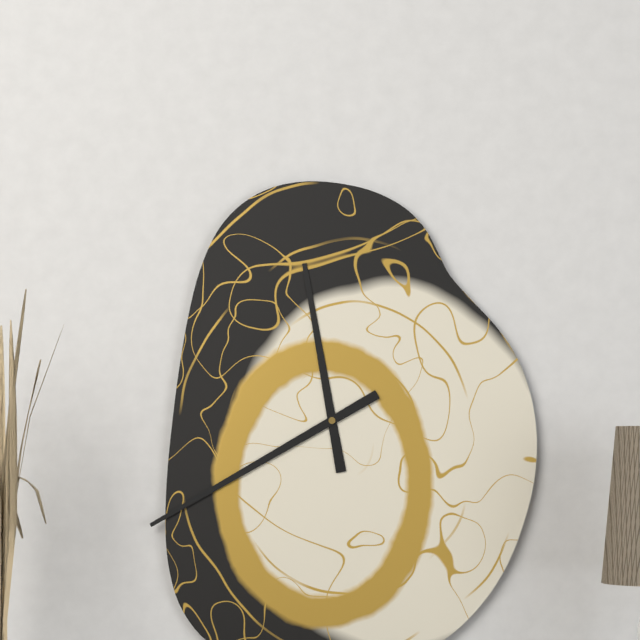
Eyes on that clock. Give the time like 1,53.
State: 11,40
